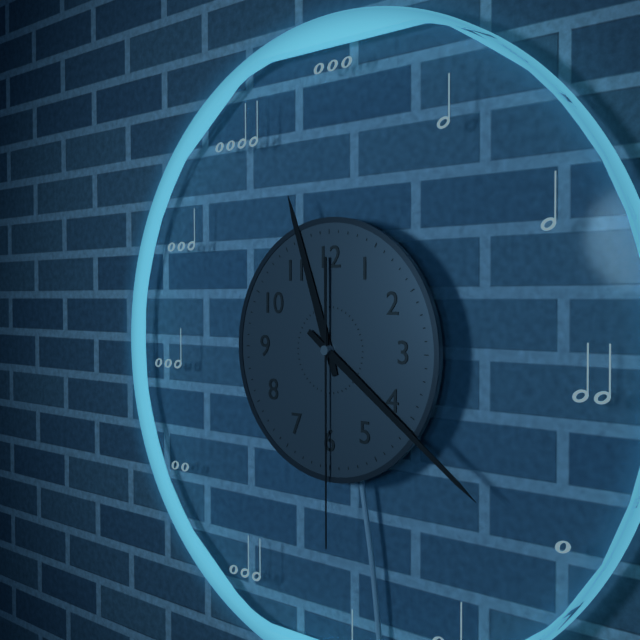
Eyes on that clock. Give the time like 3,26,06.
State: 11,21,30
